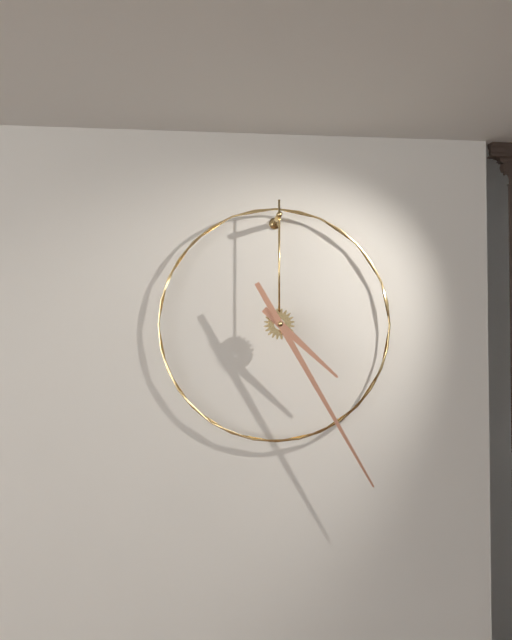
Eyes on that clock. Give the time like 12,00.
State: 4,25
